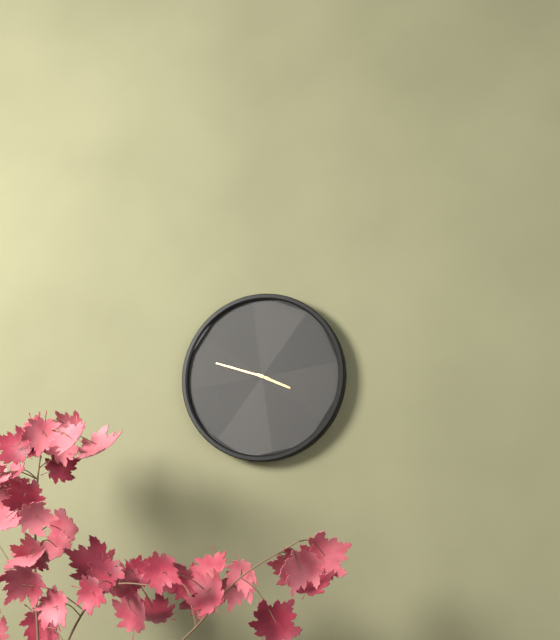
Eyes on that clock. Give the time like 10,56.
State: 3,48
